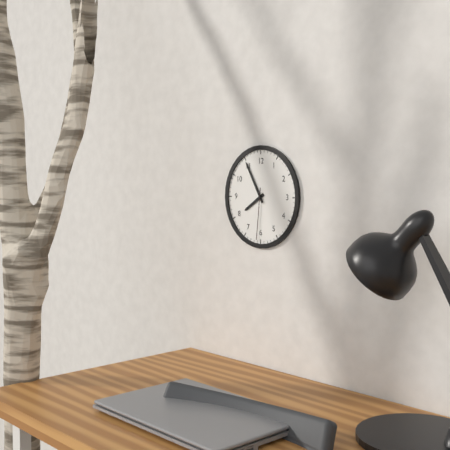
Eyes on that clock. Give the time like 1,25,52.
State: 7,55,31
